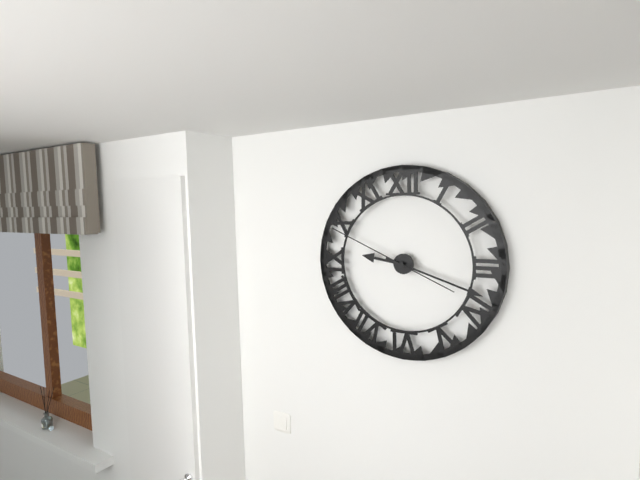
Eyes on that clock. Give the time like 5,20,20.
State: 9,18,49
